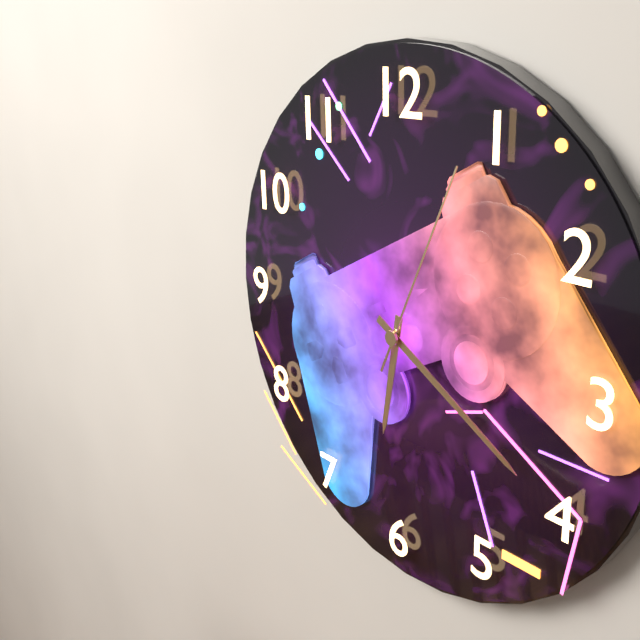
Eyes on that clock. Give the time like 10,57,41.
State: 6,20,04
